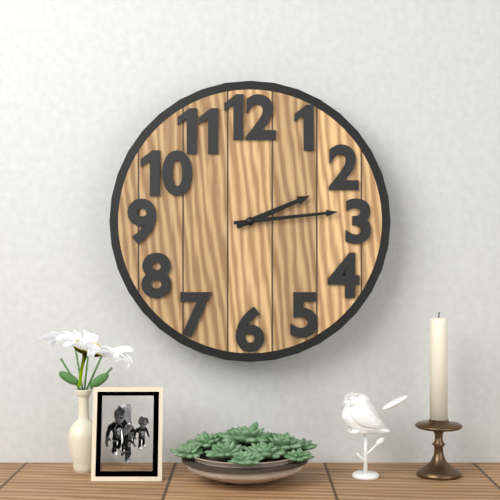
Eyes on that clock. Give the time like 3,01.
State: 2,14
